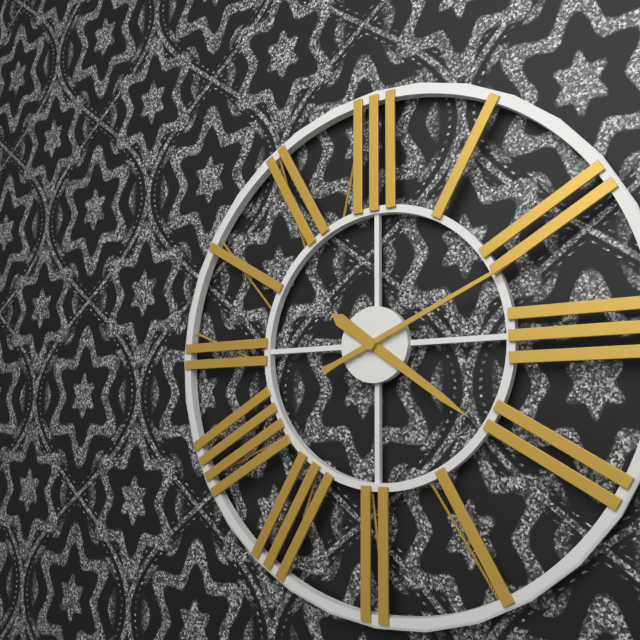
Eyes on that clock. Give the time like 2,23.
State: 4,11
